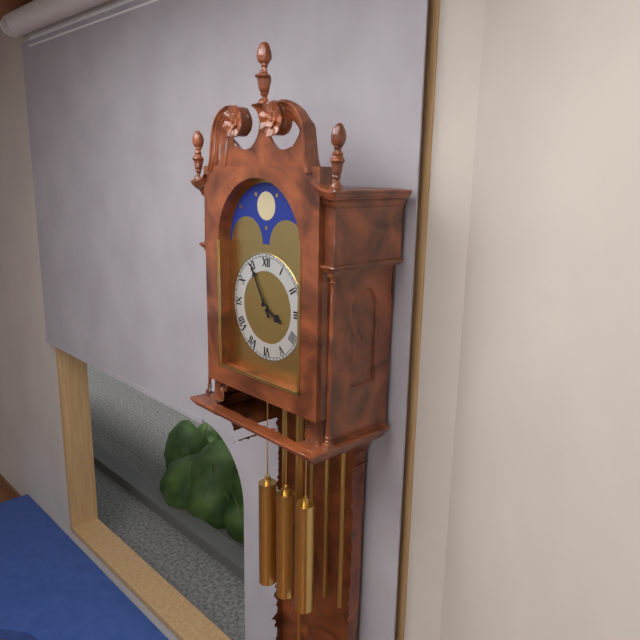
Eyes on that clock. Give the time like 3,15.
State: 3,55
